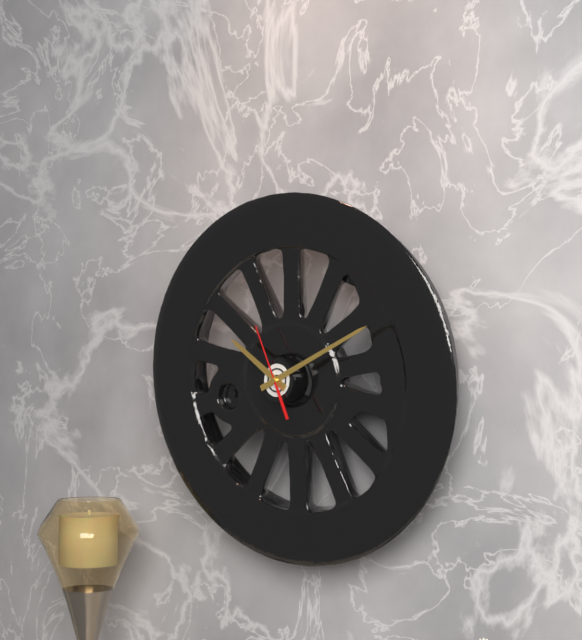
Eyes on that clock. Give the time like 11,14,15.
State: 10,11,56
